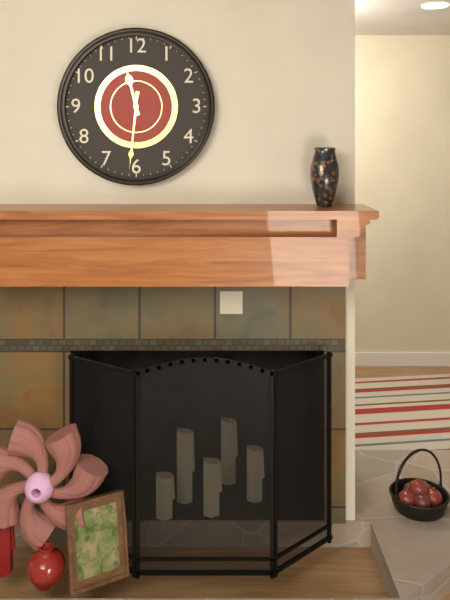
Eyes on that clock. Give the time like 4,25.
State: 11,31
